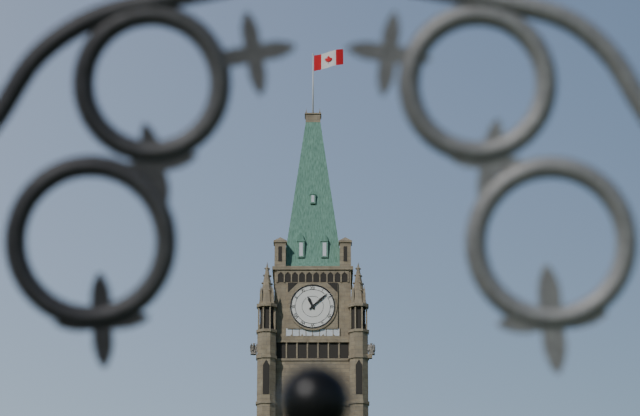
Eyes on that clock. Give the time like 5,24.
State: 11,08
